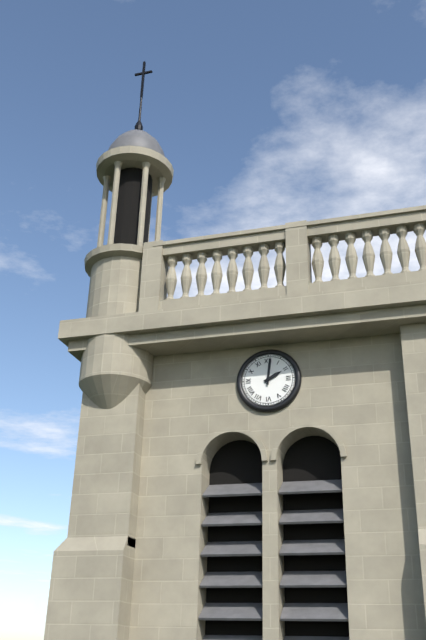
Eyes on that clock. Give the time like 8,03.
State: 2,01
